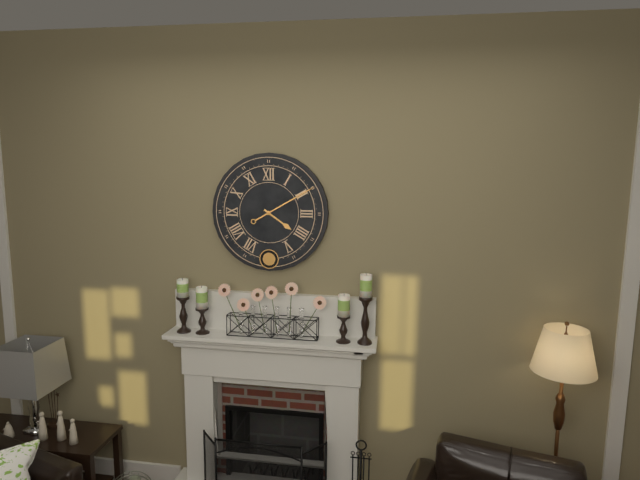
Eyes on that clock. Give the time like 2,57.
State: 4,10
